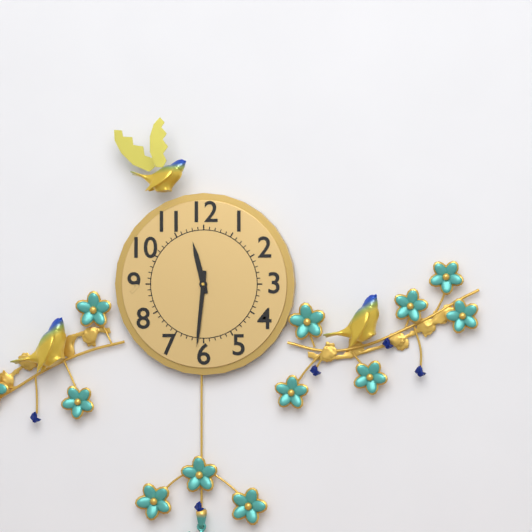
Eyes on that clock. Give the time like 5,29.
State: 11,31
